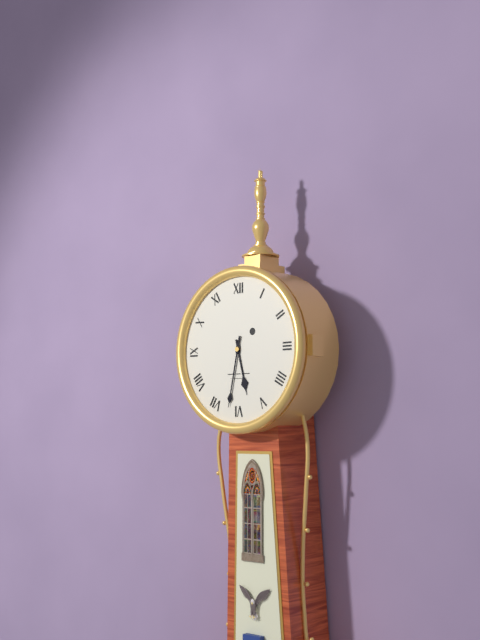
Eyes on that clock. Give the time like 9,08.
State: 5,32
